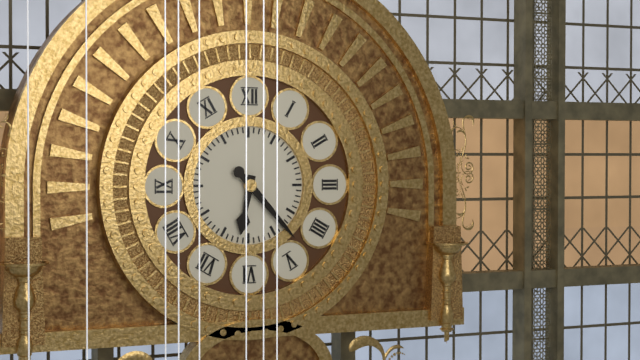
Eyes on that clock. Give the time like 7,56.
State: 6,23
